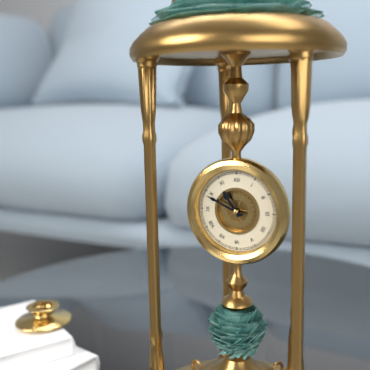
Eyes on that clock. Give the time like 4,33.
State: 10,49
